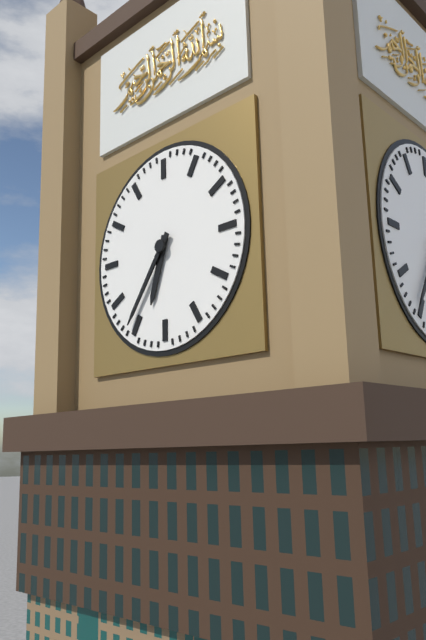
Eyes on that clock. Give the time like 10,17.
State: 6,36
